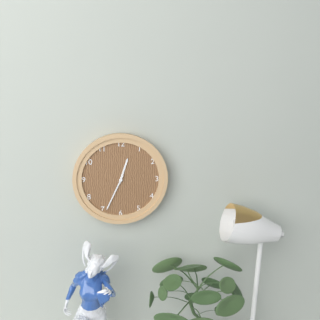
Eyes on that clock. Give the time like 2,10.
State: 12,34
